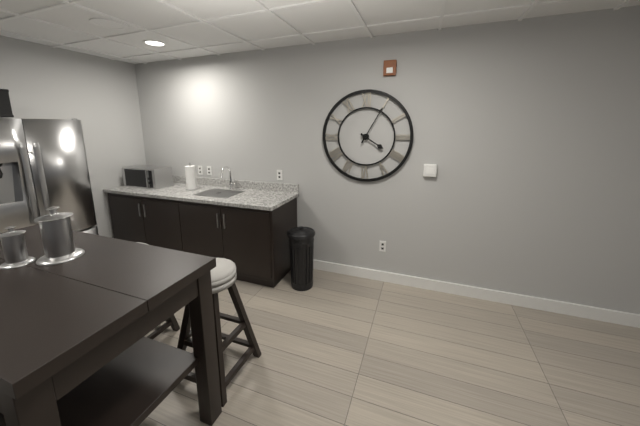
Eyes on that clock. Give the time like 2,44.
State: 4,05
